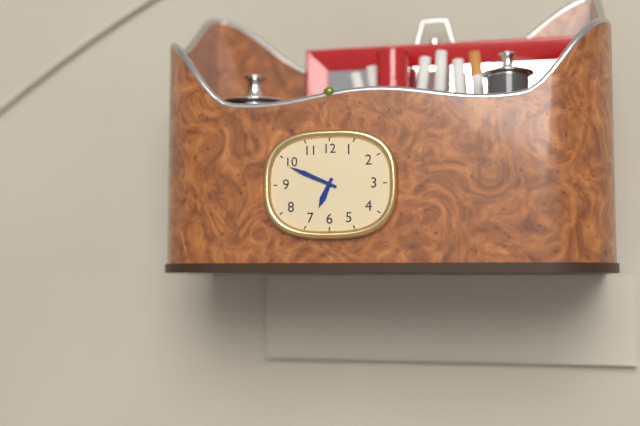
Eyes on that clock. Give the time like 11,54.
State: 6,49
